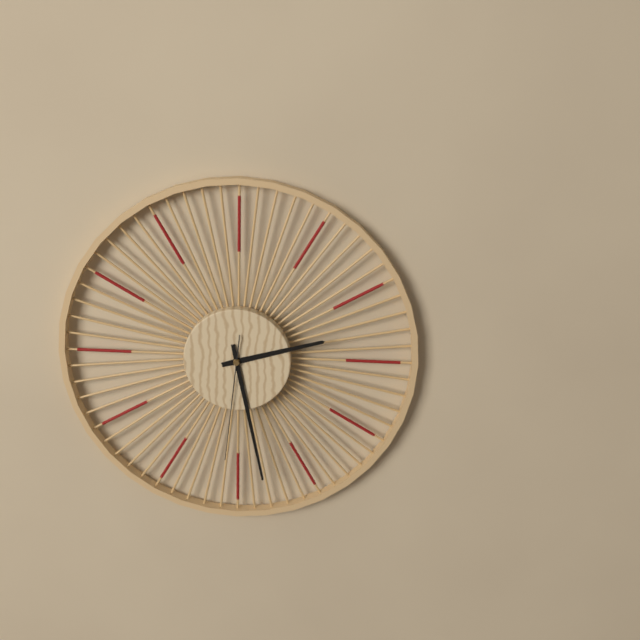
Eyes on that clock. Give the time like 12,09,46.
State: 2,28,31
